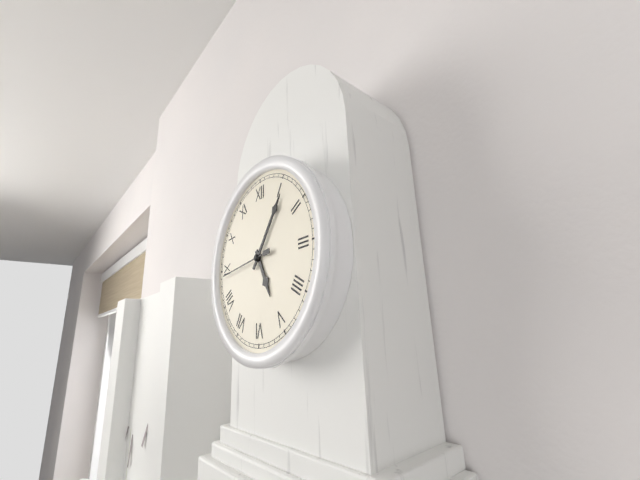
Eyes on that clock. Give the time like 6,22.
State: 5,06
